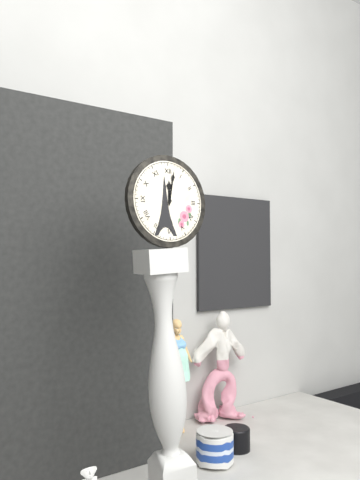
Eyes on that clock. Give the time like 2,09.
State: 12,02
